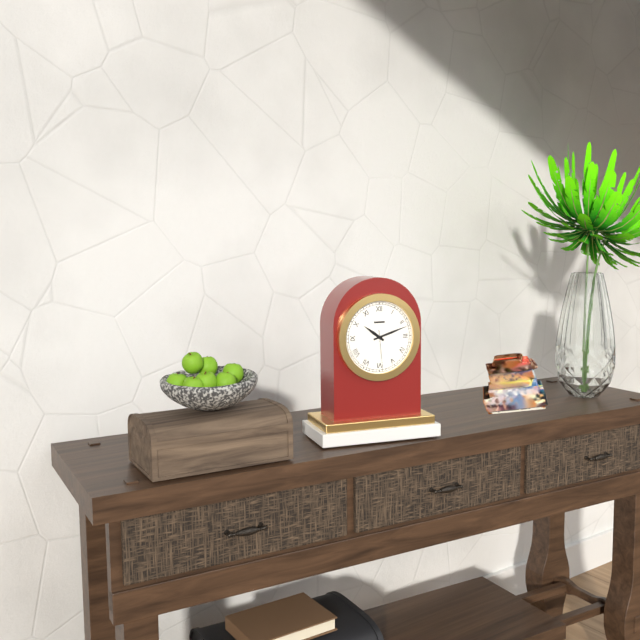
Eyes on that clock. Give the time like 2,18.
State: 10,12
